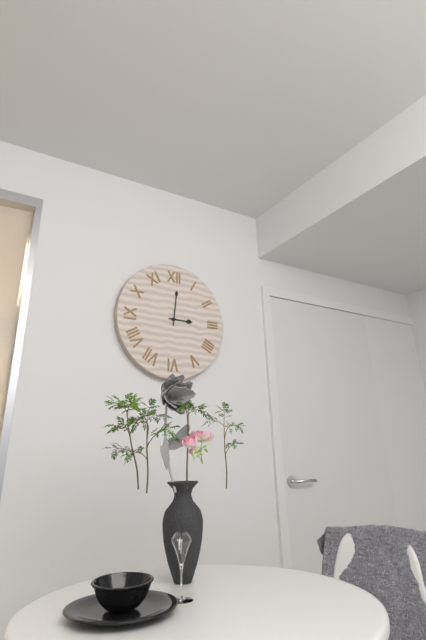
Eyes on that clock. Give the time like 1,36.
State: 3,01
